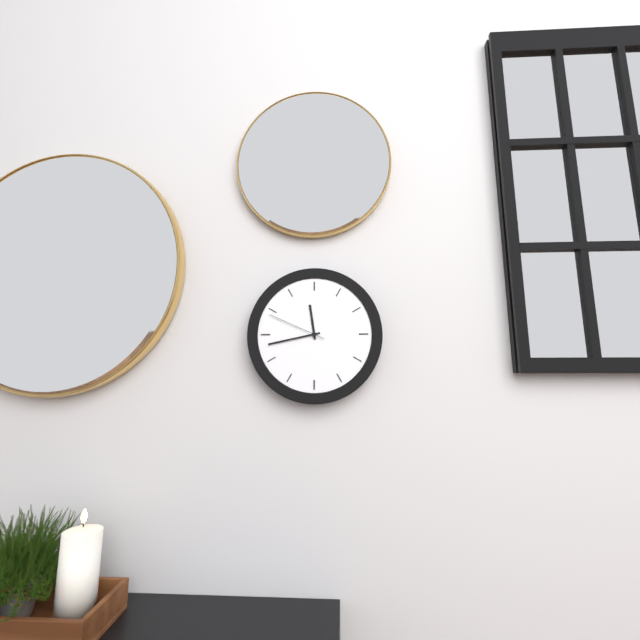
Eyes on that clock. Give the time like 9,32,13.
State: 11,43,49
